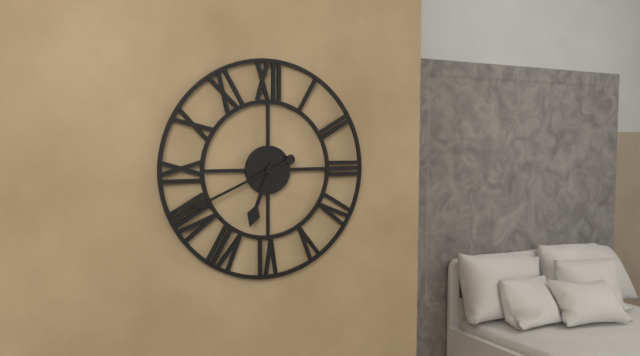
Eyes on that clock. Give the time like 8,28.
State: 6,41
